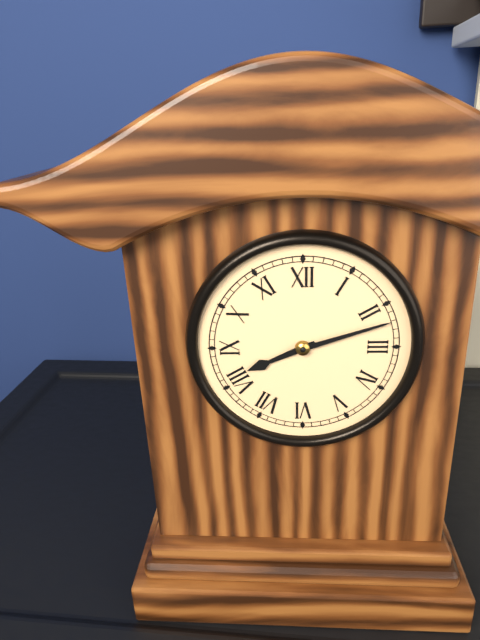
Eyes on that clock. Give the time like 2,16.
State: 8,12
